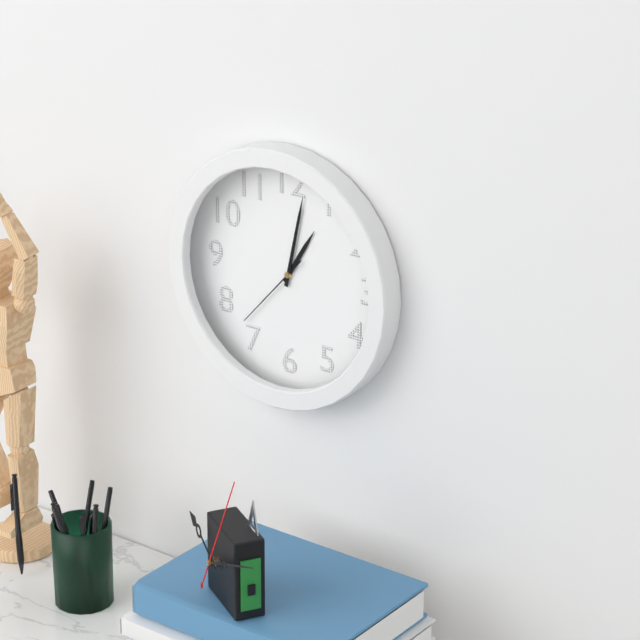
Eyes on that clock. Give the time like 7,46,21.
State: 1,02,37
